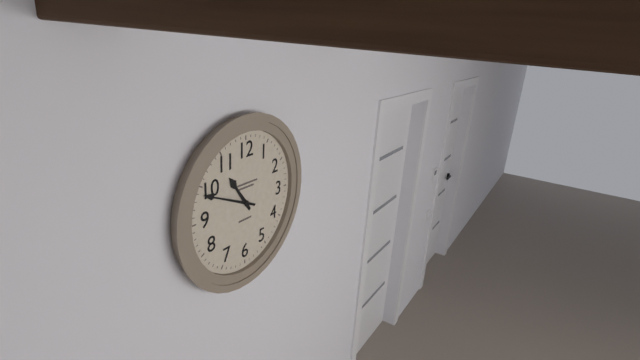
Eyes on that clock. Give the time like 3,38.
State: 10,49
